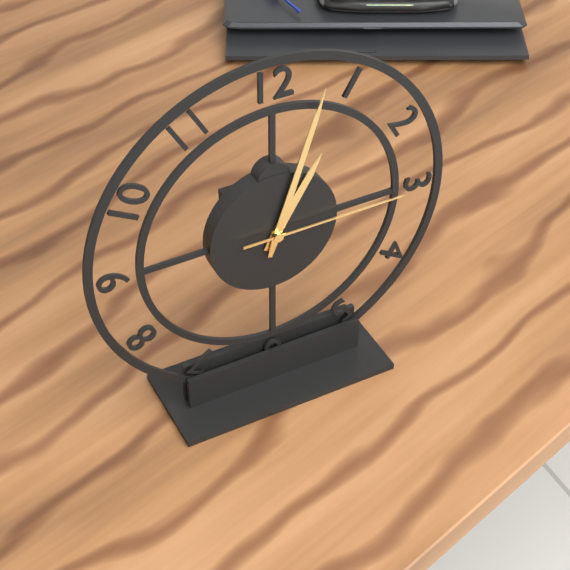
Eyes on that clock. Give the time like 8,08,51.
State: 1,03,15
